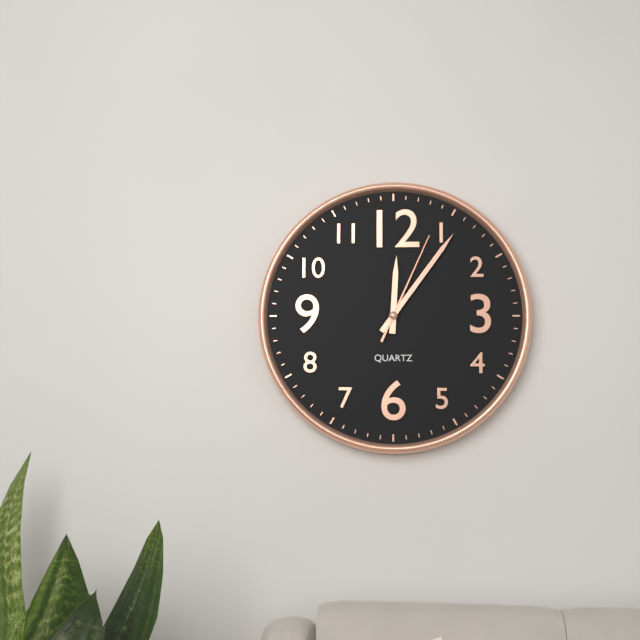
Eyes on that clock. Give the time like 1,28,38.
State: 12,06,04
